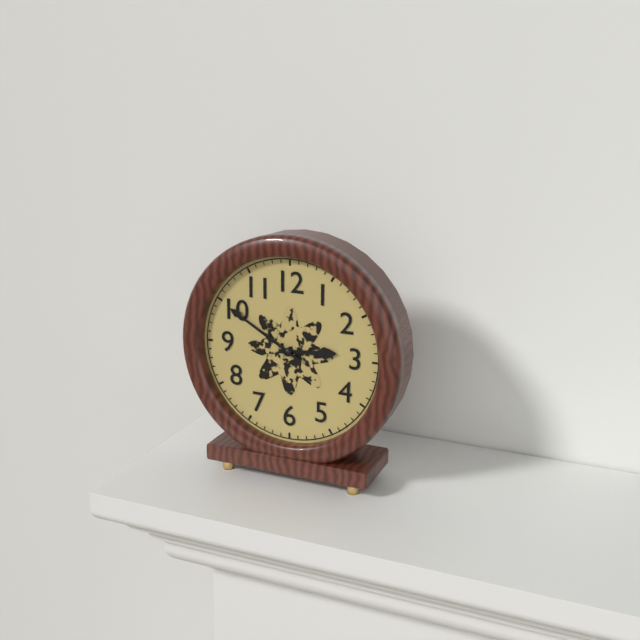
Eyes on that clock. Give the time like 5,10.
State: 2,50
